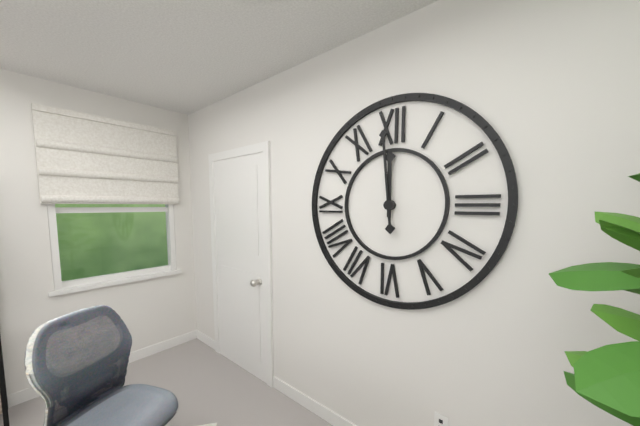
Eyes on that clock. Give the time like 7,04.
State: 11,59
